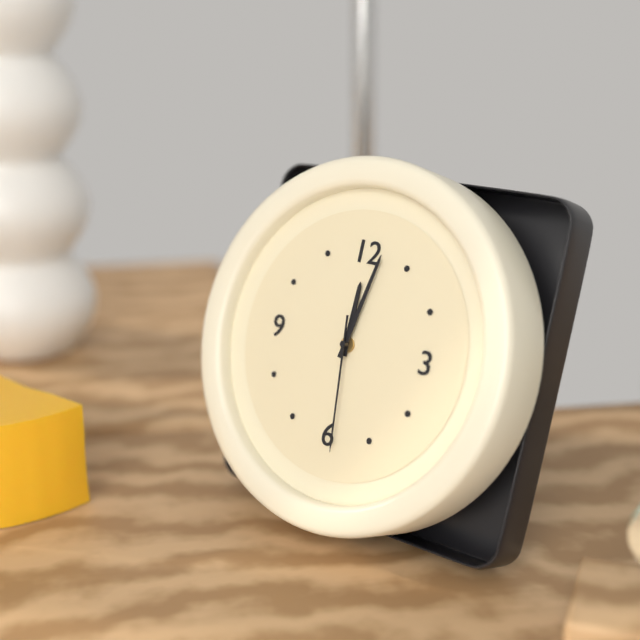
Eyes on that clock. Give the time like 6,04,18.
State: 12,02,29
